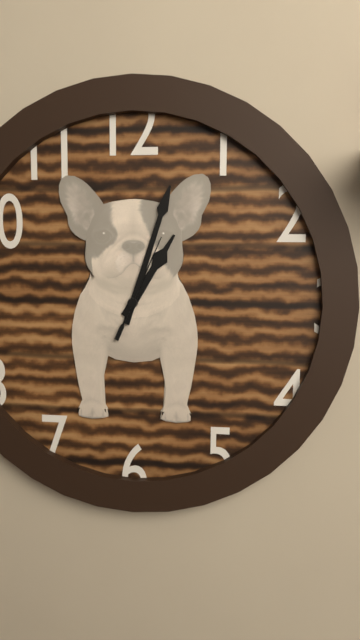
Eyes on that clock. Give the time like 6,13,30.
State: 1,03,04
